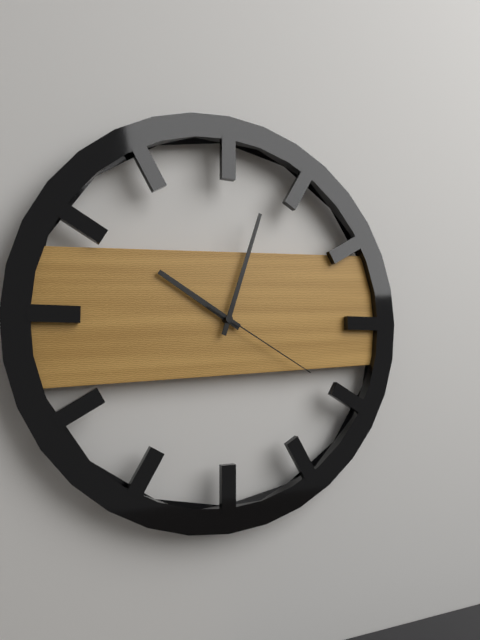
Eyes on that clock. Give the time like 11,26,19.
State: 10,03,20
